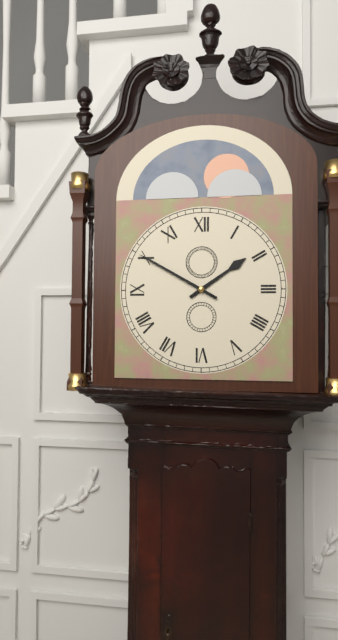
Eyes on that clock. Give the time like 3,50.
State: 1,50
